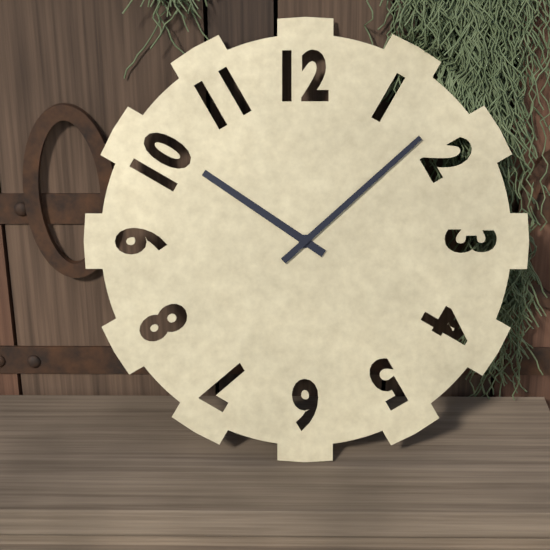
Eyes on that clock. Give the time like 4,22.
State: 10,08
